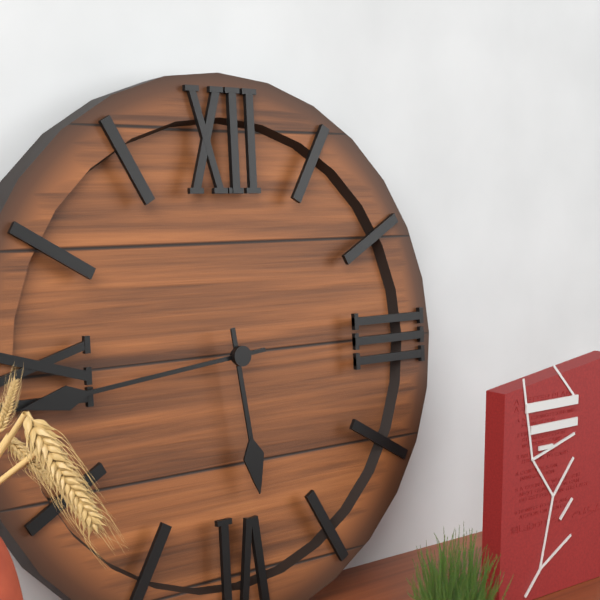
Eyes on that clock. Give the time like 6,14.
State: 5,44
